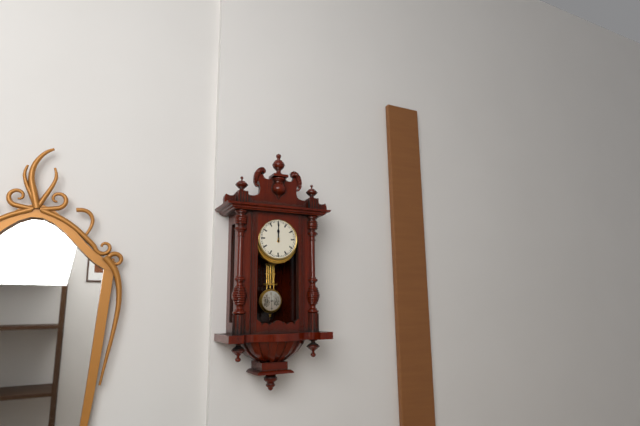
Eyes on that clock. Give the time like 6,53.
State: 12,00
